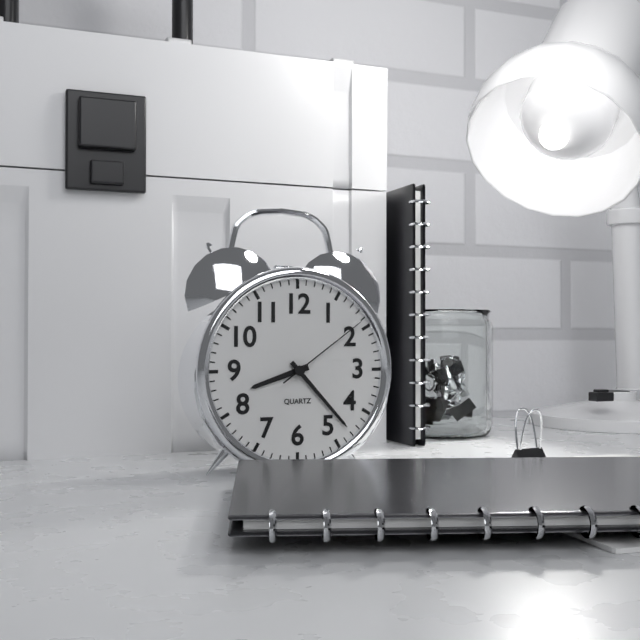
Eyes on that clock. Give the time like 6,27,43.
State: 8,23,09
